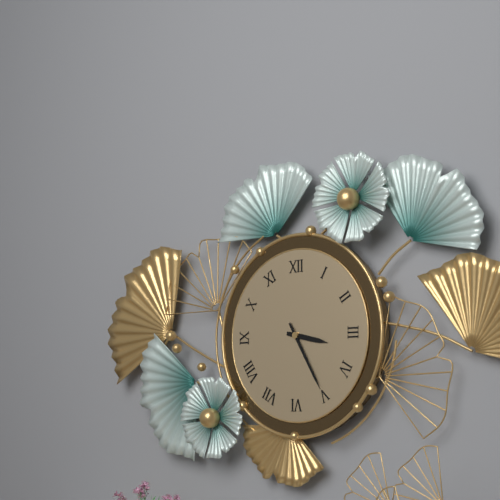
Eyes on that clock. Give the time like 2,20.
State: 3,25
